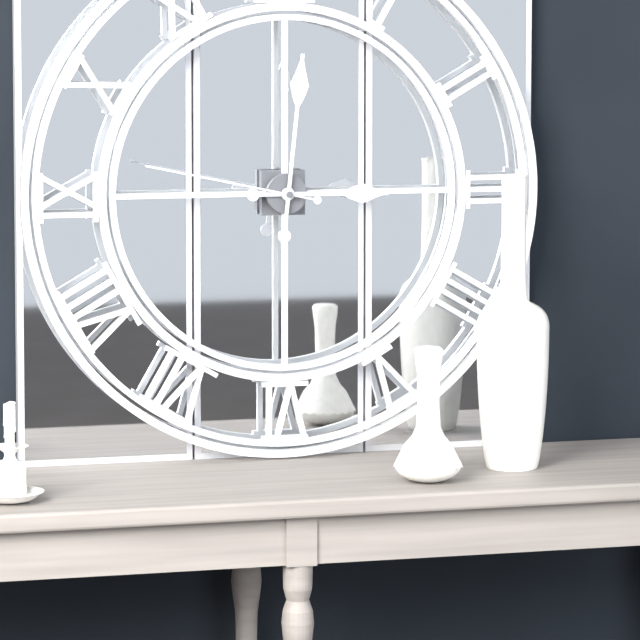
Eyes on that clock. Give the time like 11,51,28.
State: 3,01,47
